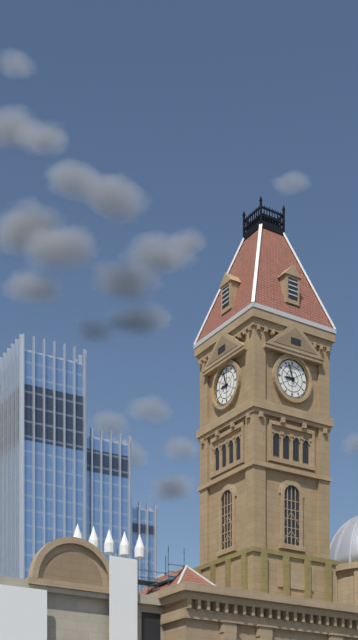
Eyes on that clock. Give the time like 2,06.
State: 8,57
